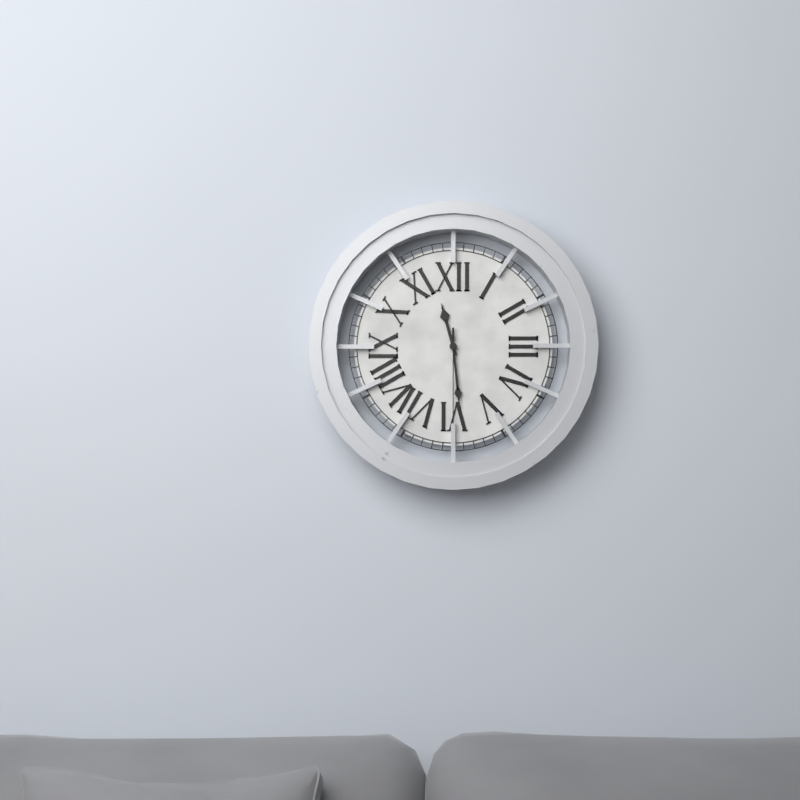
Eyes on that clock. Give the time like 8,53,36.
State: 11,29,30
